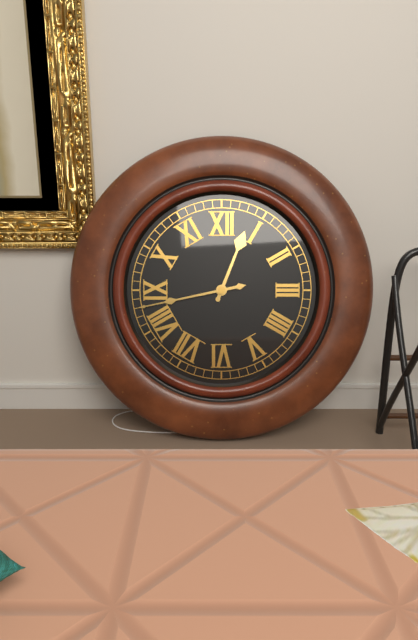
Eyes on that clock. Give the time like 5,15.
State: 12,43
